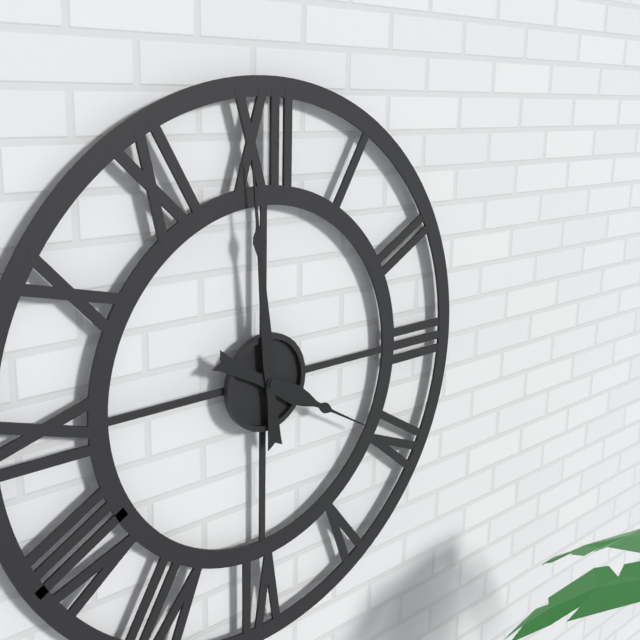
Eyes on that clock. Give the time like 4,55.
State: 3,59
